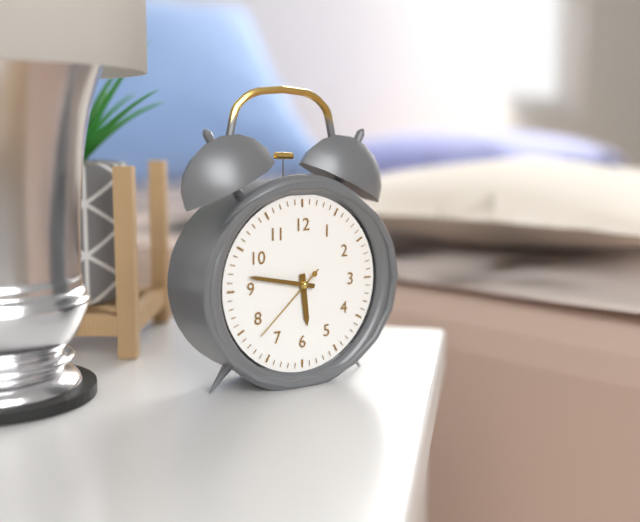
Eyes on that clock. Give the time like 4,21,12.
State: 5,47,38
